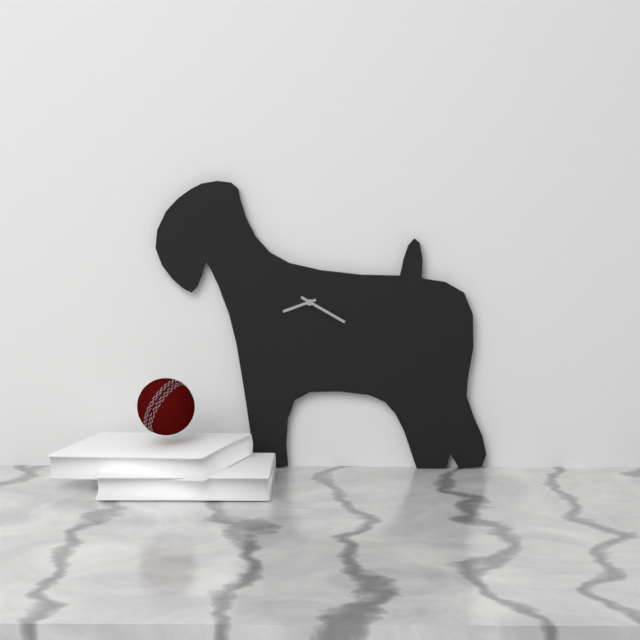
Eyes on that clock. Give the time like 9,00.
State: 8,20
